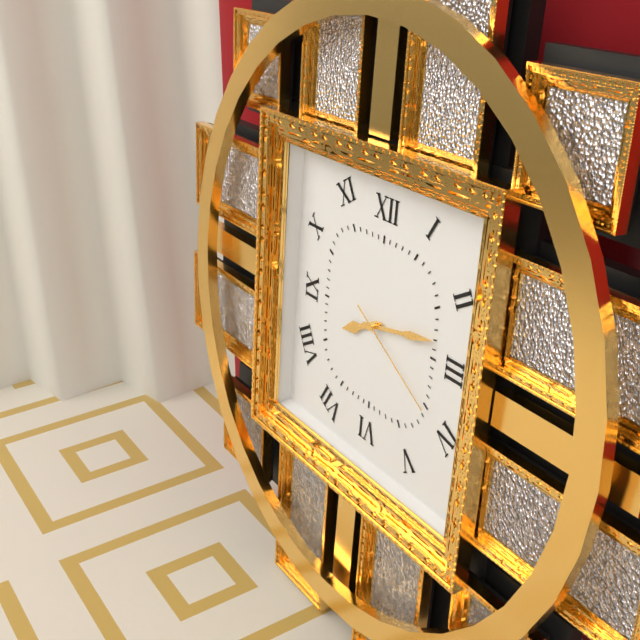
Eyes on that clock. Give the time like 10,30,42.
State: 8,13,20
